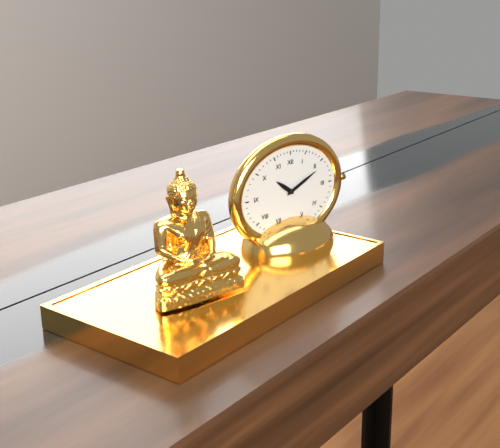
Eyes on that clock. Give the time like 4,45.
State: 10,11
